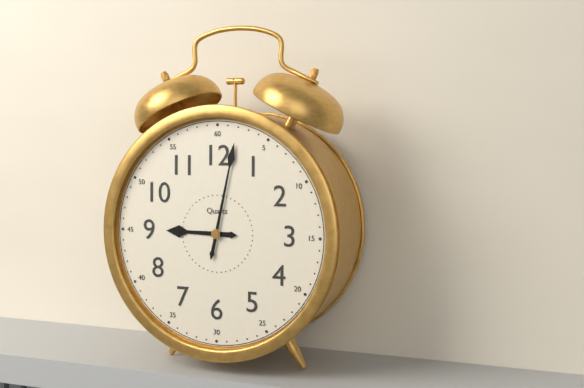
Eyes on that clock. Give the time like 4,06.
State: 9,02
